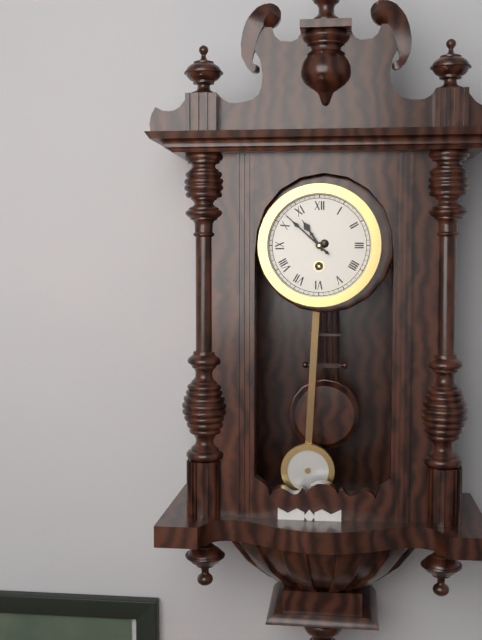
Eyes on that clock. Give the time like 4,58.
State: 10,52
